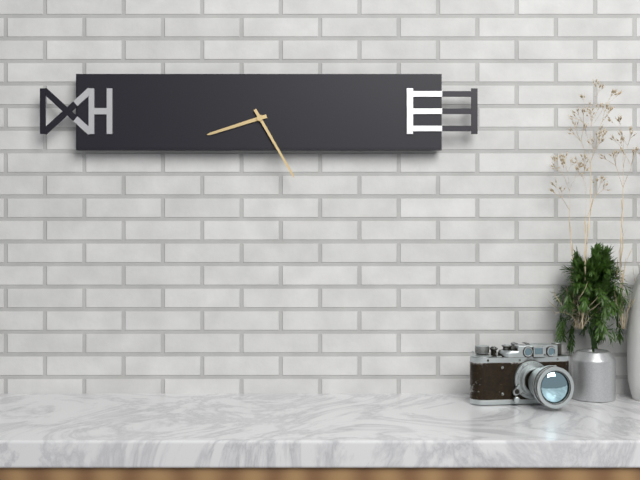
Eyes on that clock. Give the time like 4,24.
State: 8,25
